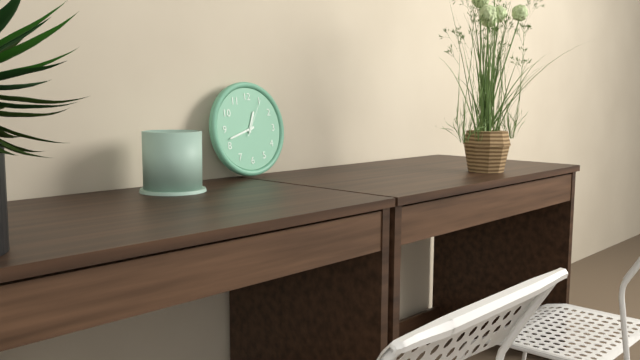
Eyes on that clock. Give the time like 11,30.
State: 12,42
